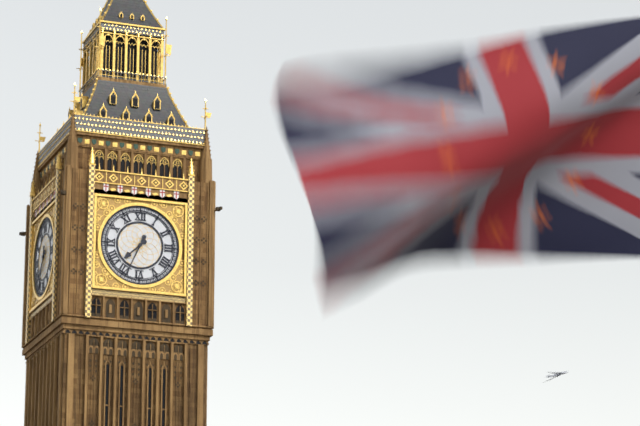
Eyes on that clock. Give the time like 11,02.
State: 7,34
